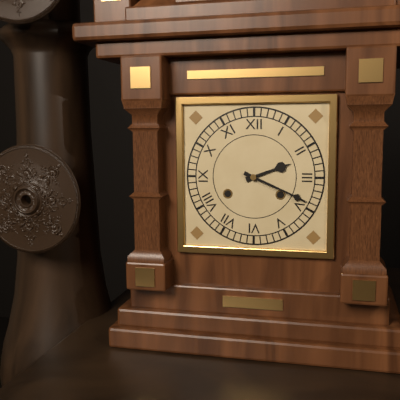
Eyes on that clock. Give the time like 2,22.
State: 2,19
